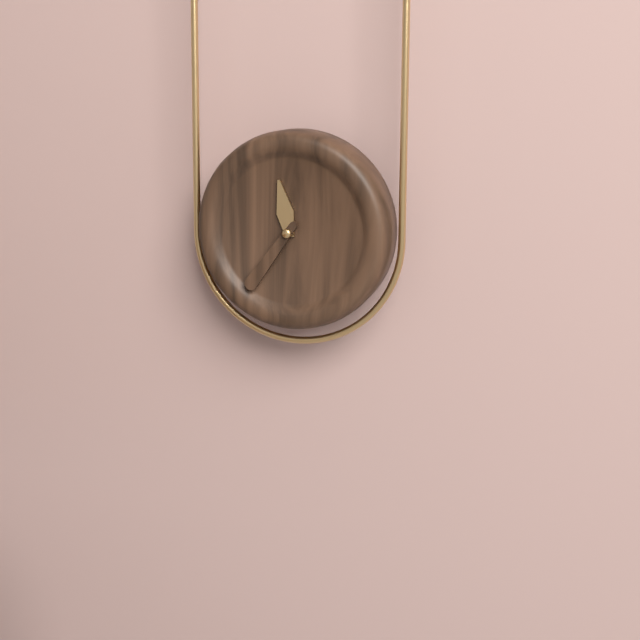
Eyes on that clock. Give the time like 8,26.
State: 11,36
